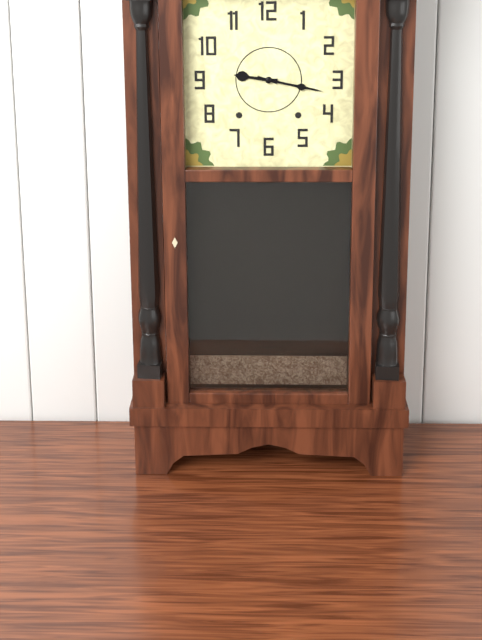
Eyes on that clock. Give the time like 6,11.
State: 9,17
